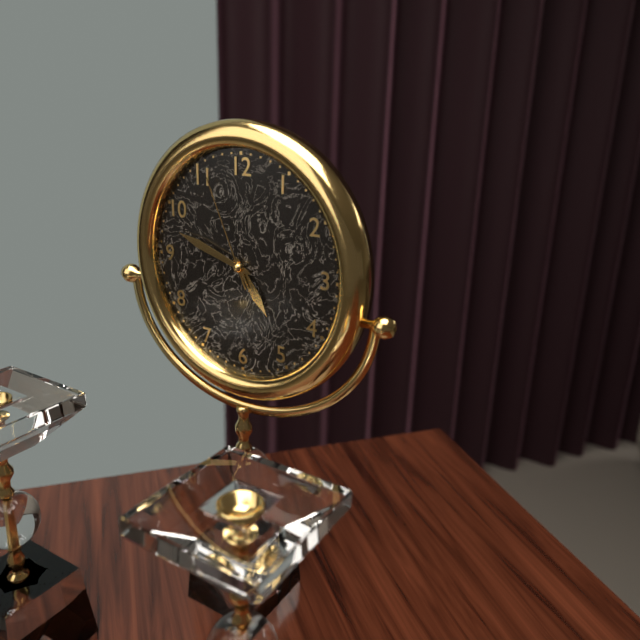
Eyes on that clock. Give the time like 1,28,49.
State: 4,48,56
